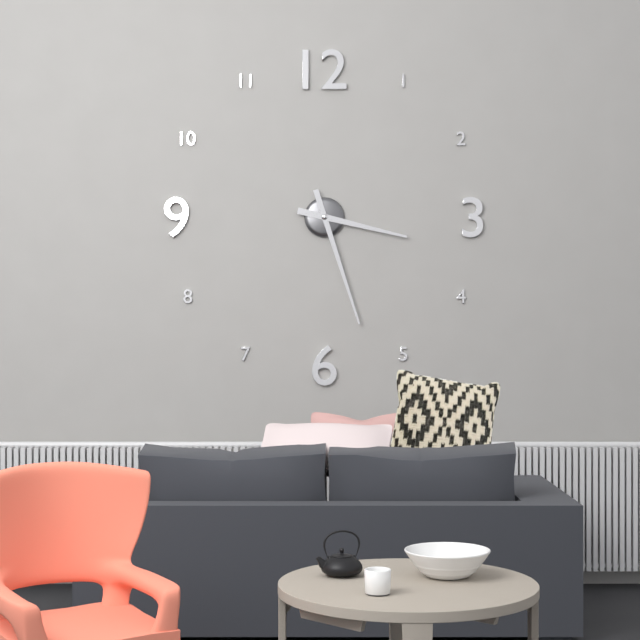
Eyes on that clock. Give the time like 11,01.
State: 3,27
